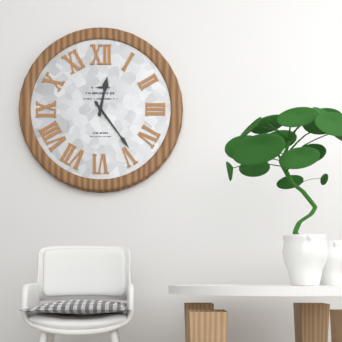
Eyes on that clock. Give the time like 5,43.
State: 12,24
